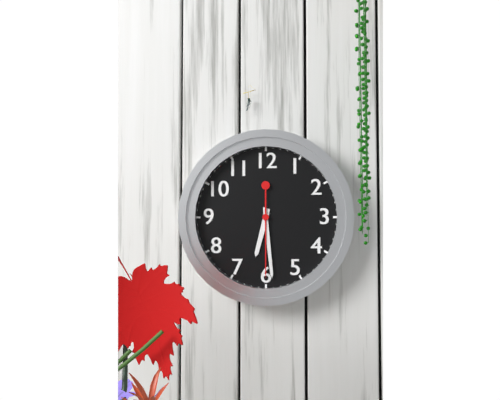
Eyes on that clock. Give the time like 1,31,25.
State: 6,29,30
